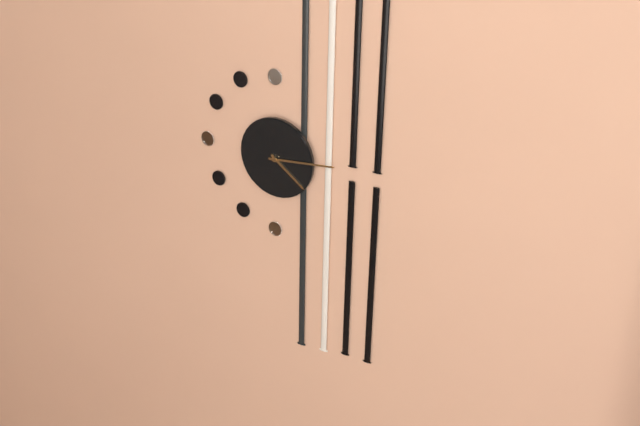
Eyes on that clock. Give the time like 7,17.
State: 4,14
